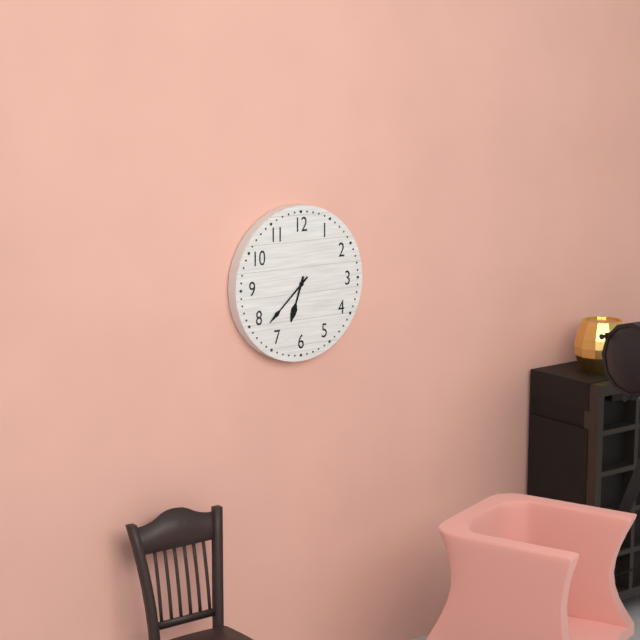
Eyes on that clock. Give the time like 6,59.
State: 6,38
